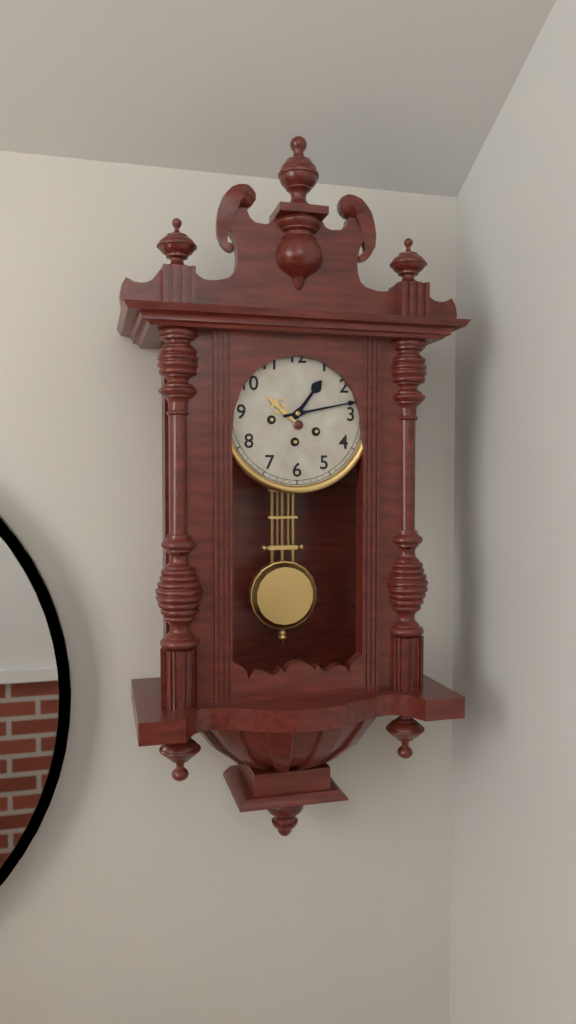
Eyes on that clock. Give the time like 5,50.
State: 1,13
